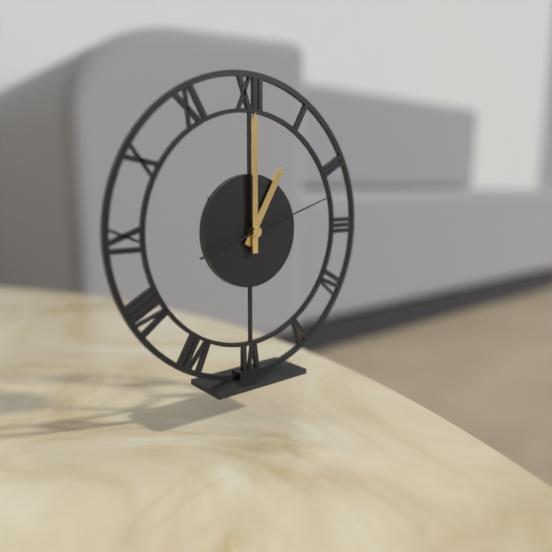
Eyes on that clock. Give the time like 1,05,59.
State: 1,00,12
